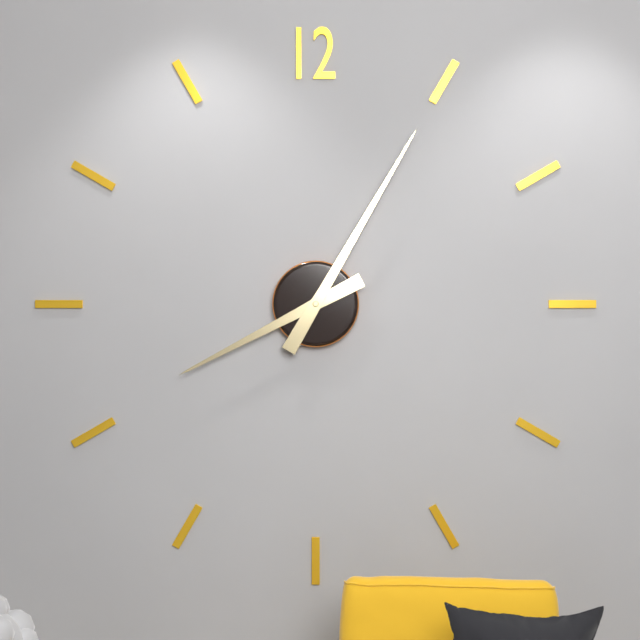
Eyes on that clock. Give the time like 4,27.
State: 8,05
